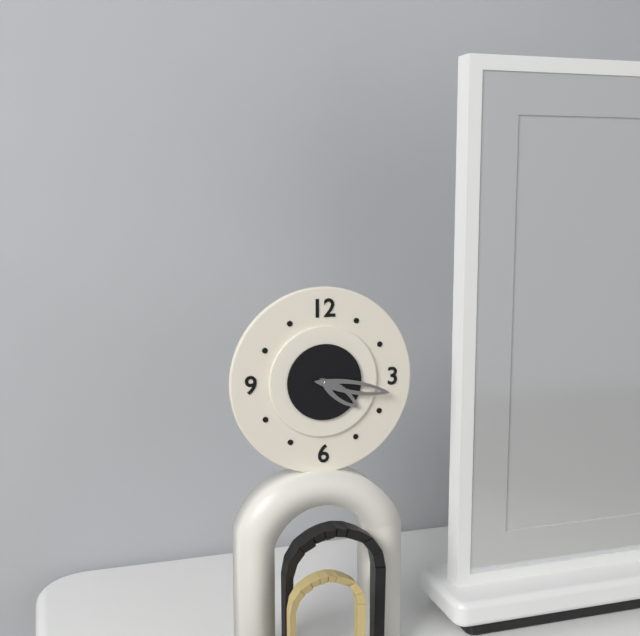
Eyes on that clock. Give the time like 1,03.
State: 4,17
